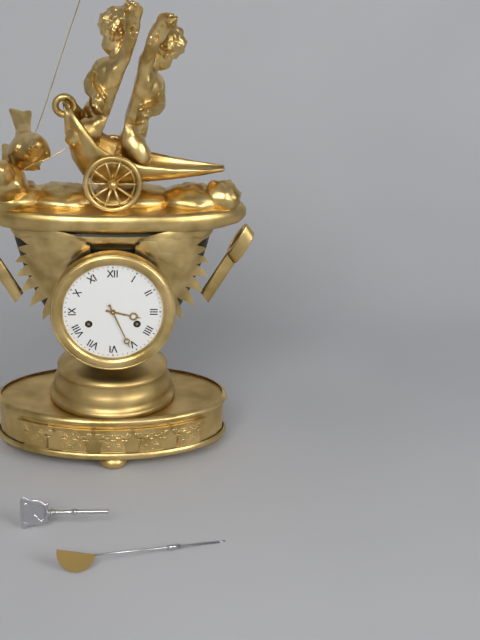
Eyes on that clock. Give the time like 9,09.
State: 3,26
